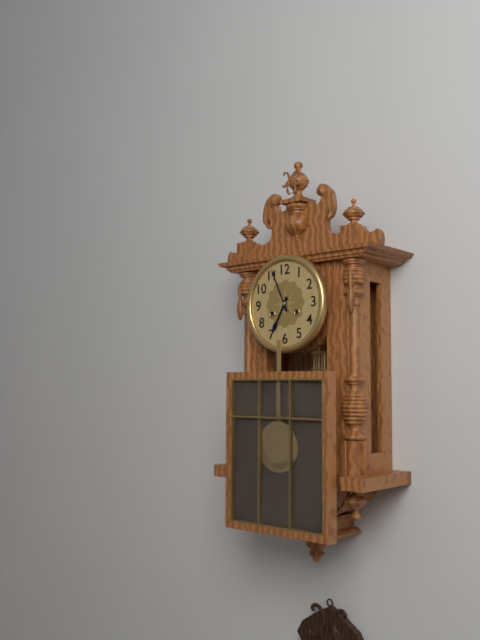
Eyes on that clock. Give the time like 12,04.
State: 6,56
